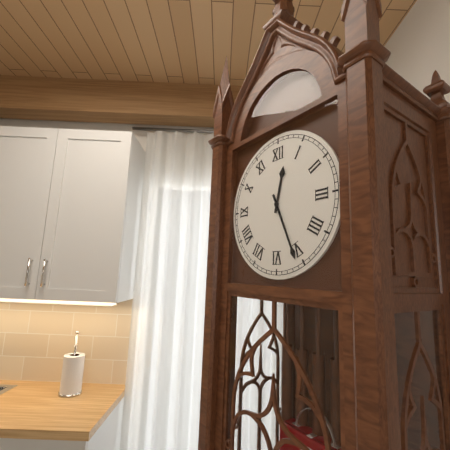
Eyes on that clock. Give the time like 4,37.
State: 12,26
